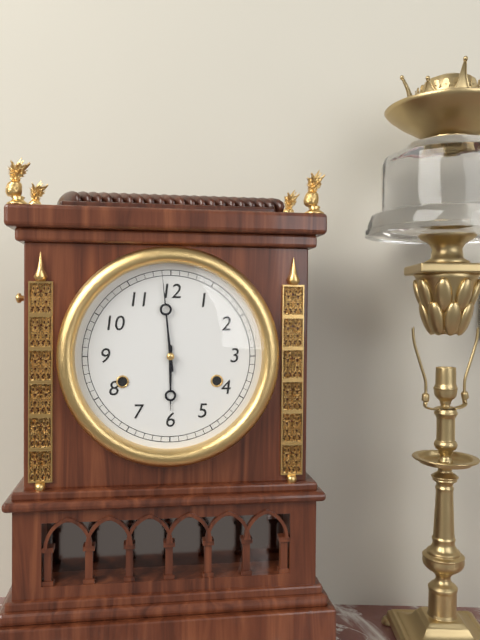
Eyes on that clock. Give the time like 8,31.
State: 5,59
